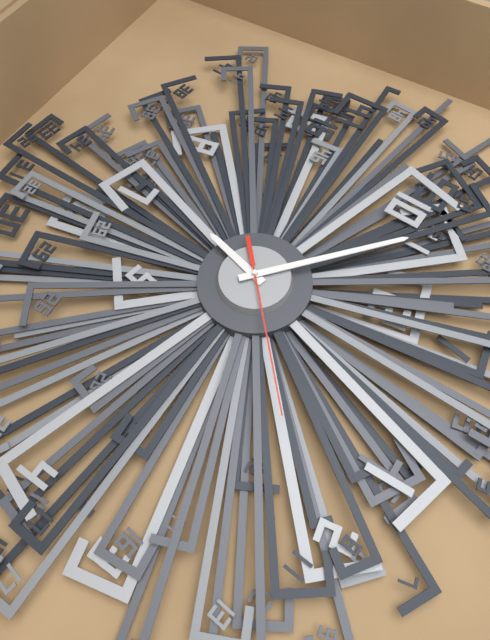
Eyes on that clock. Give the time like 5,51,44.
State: 6,54,10
